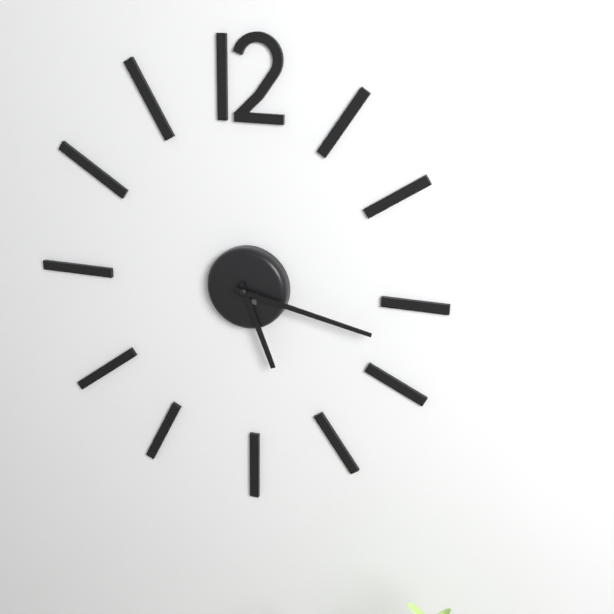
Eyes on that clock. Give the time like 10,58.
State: 5,17
